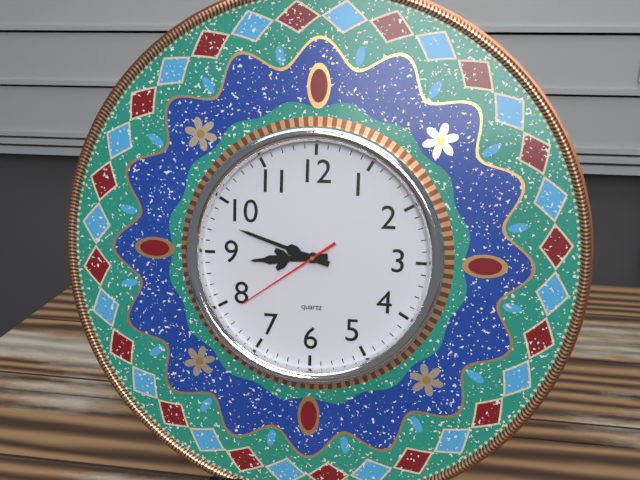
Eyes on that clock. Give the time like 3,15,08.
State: 8,48,39
